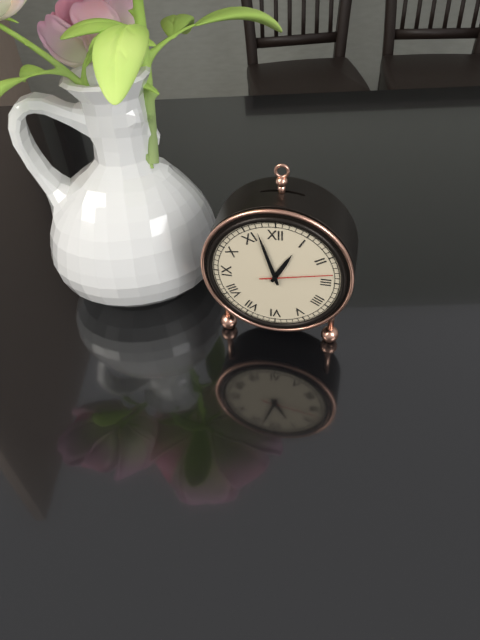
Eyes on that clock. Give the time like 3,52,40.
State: 12,57,13
